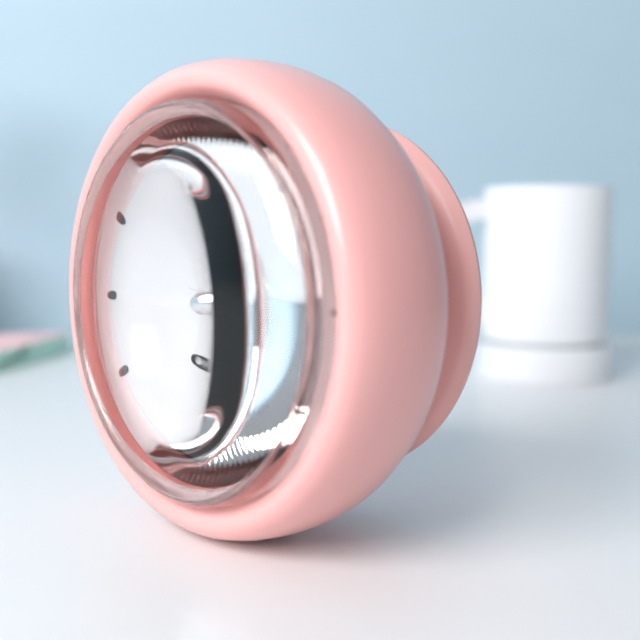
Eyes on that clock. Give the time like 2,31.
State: 12,18
